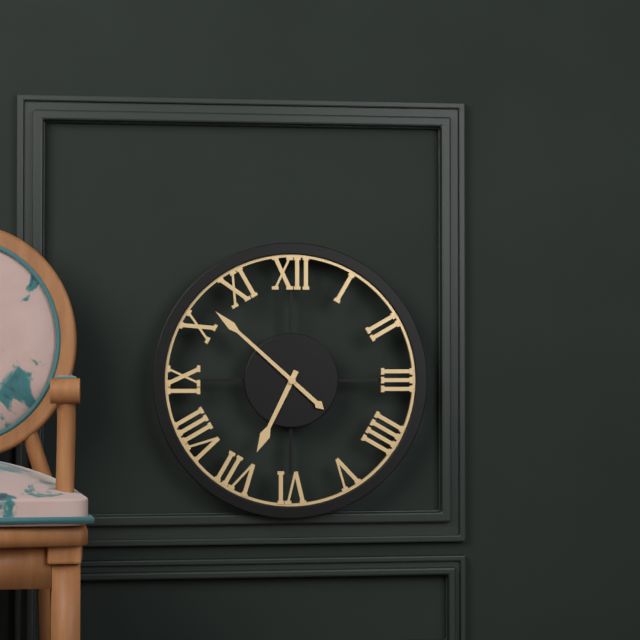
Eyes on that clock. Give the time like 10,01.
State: 6,52
